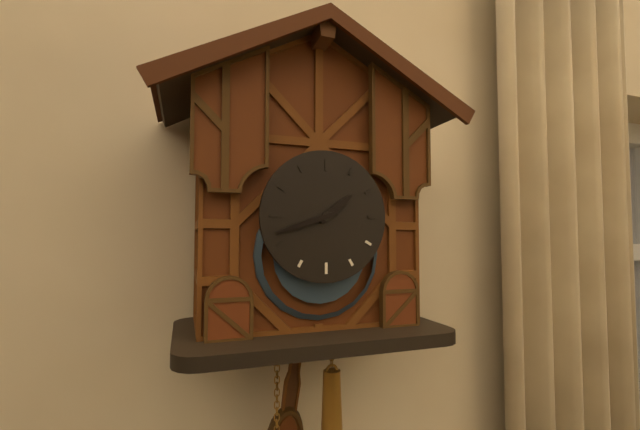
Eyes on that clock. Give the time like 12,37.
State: 1,42
